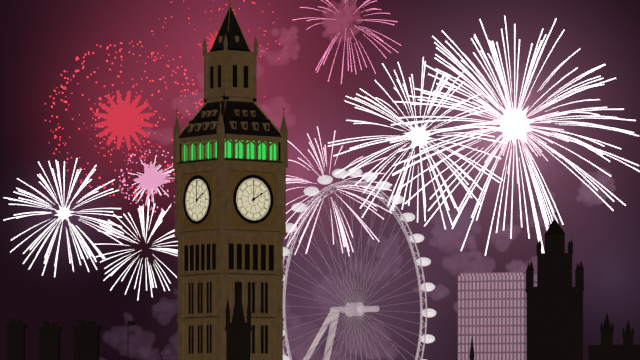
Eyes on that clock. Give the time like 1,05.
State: 2,00
